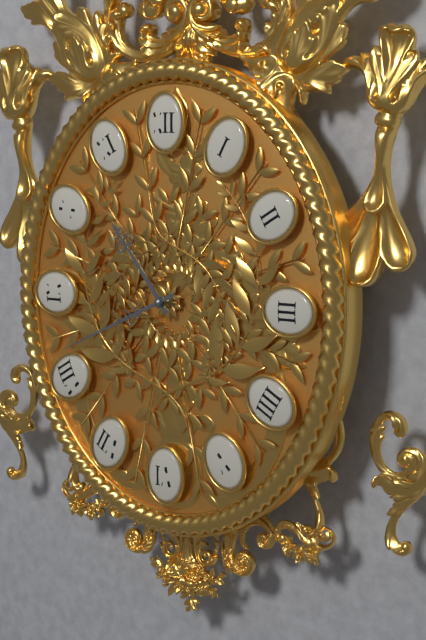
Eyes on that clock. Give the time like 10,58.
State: 10,41
